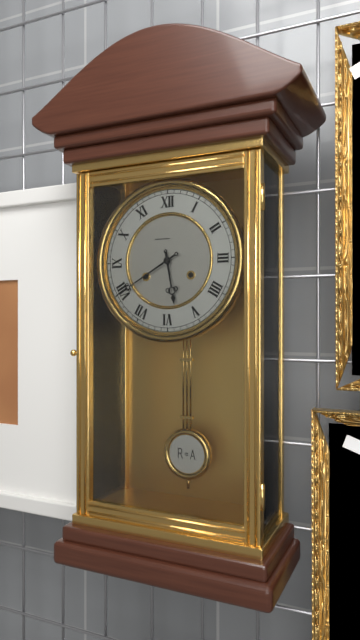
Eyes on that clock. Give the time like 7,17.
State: 5,40
